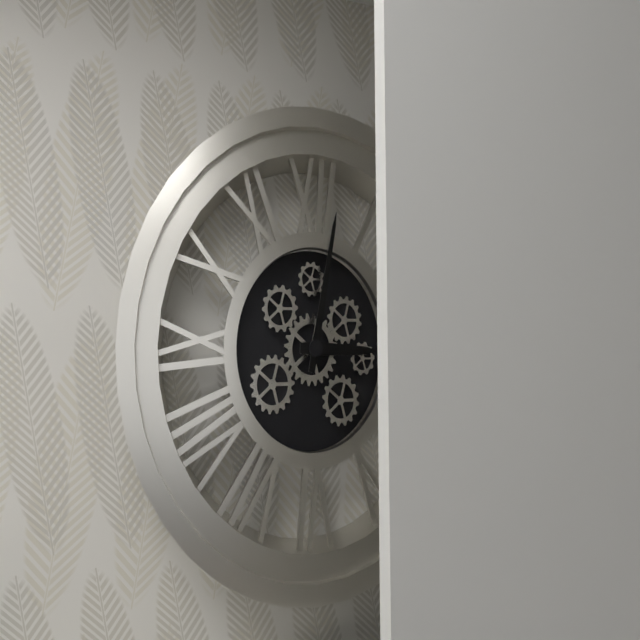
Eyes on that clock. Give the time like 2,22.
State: 3,02
